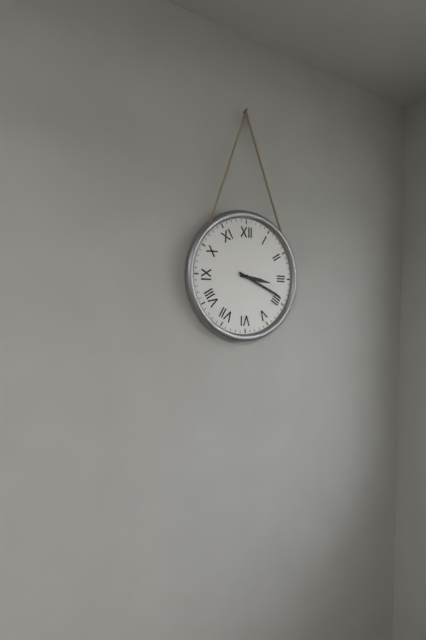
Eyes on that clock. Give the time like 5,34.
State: 3,19
